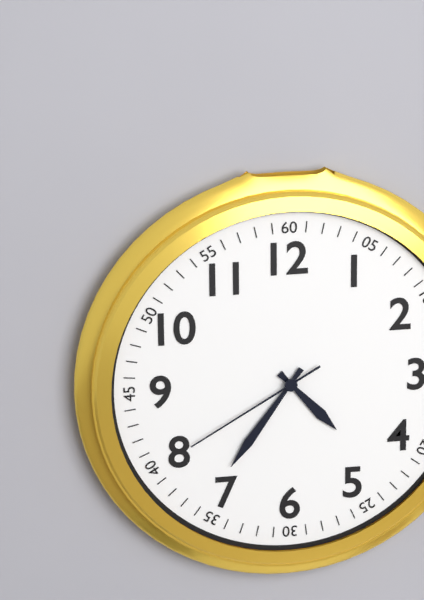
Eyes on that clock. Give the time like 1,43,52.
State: 4,36,40
